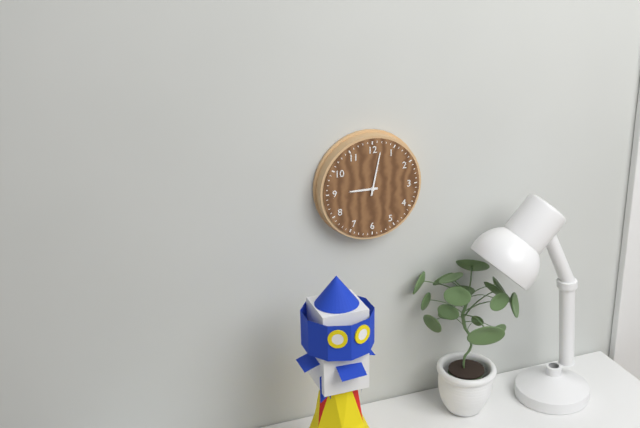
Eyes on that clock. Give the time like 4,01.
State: 9,02
